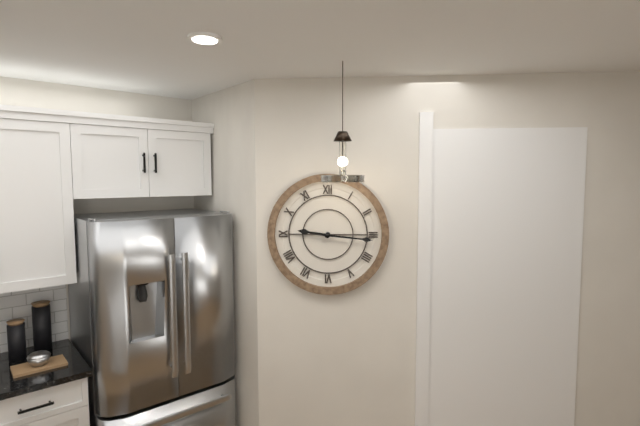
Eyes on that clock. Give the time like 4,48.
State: 9,16
